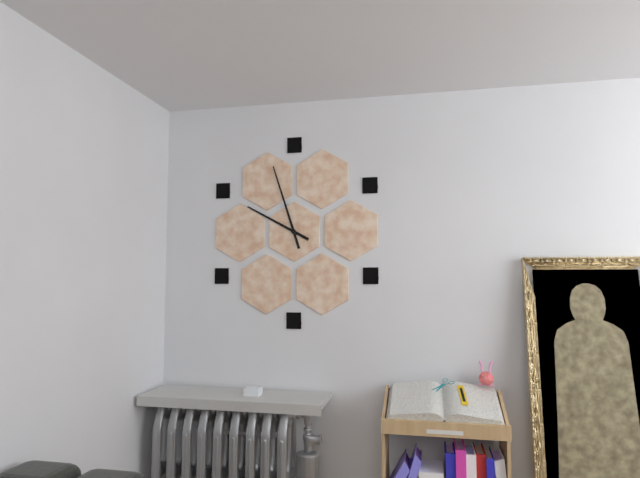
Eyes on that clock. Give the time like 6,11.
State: 9,57
